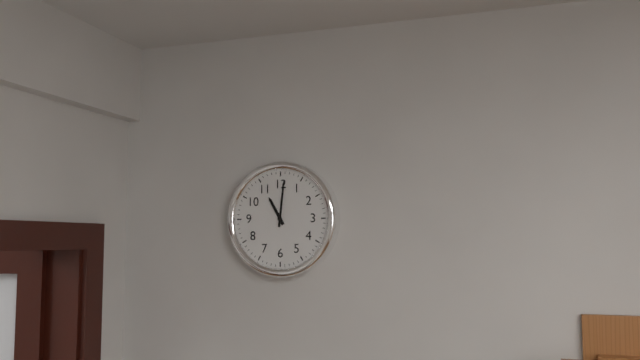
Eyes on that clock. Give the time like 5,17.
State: 11,01
